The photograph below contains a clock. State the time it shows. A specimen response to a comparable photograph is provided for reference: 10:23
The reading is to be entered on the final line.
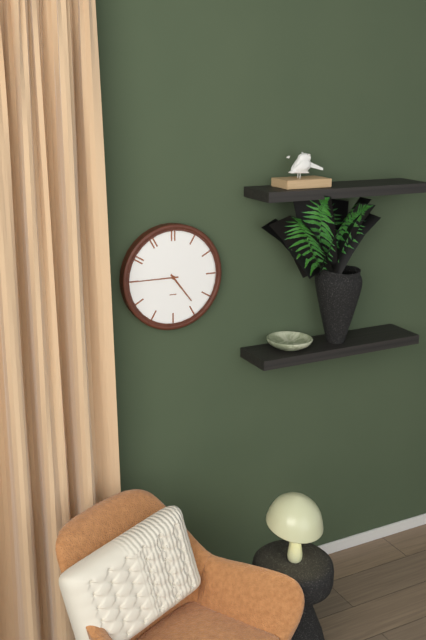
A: 4:45
